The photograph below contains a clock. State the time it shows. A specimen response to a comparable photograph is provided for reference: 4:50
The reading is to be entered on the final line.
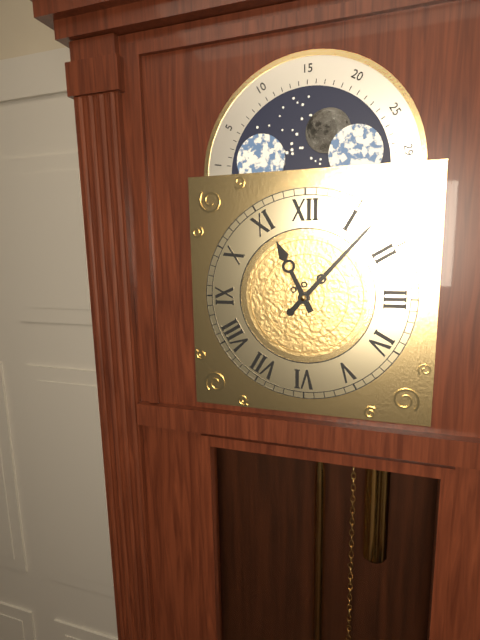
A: 11:07
